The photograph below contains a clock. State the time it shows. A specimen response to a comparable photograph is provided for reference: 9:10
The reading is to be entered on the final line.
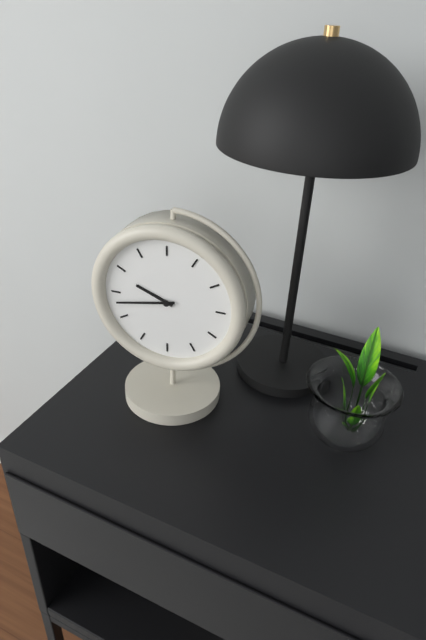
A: 9:43
